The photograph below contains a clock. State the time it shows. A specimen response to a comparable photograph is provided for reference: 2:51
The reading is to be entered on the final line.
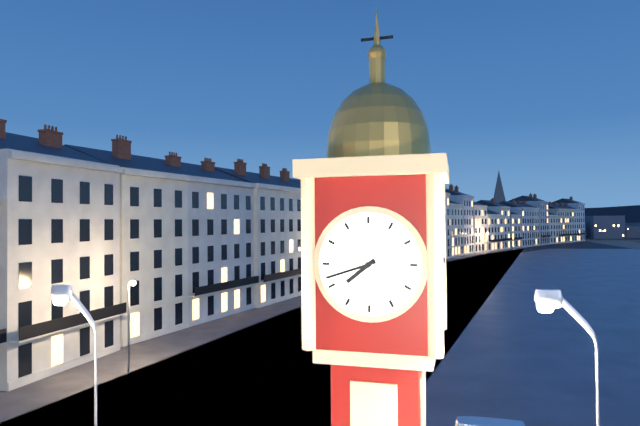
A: 7:42
